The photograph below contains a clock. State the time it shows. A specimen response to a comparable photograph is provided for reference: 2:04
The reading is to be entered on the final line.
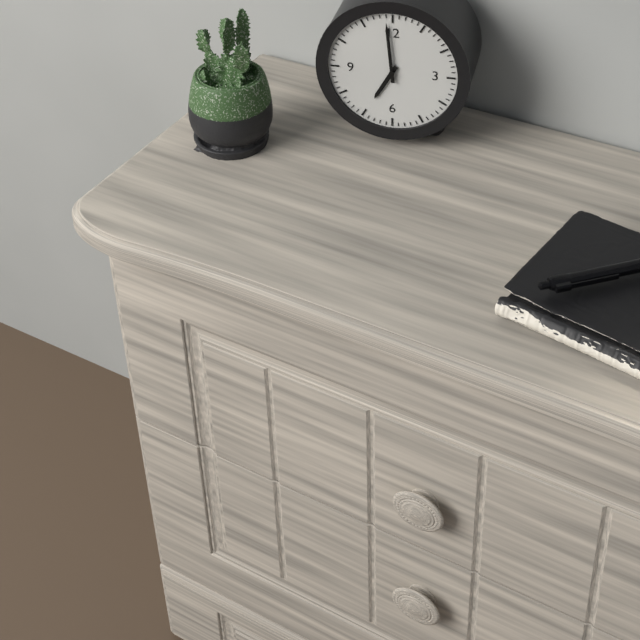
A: 6:59
